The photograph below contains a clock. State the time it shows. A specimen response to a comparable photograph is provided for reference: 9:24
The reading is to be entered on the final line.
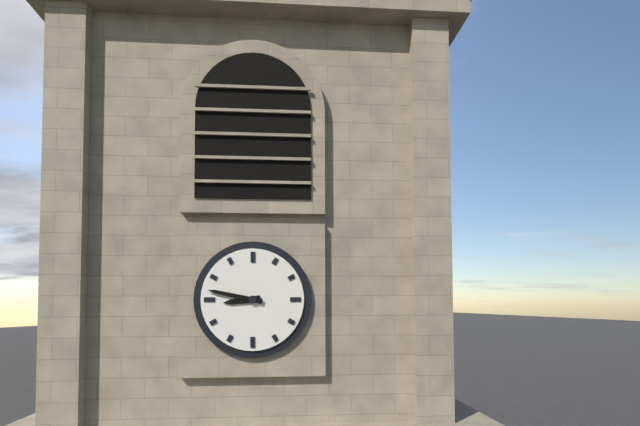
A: 8:47
